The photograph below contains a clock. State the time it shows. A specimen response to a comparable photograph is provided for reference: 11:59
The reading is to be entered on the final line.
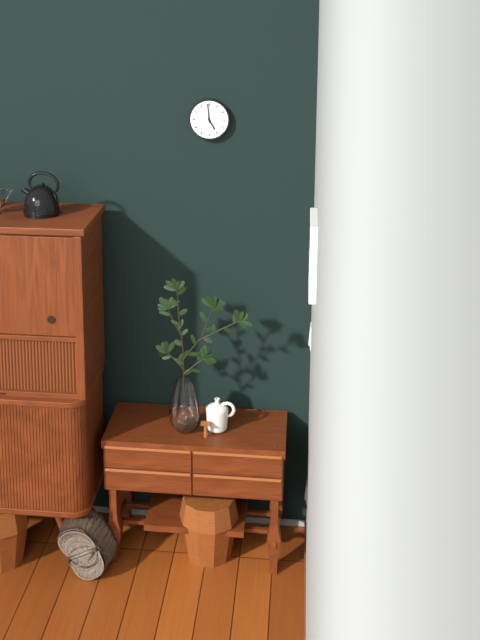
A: 4:59
